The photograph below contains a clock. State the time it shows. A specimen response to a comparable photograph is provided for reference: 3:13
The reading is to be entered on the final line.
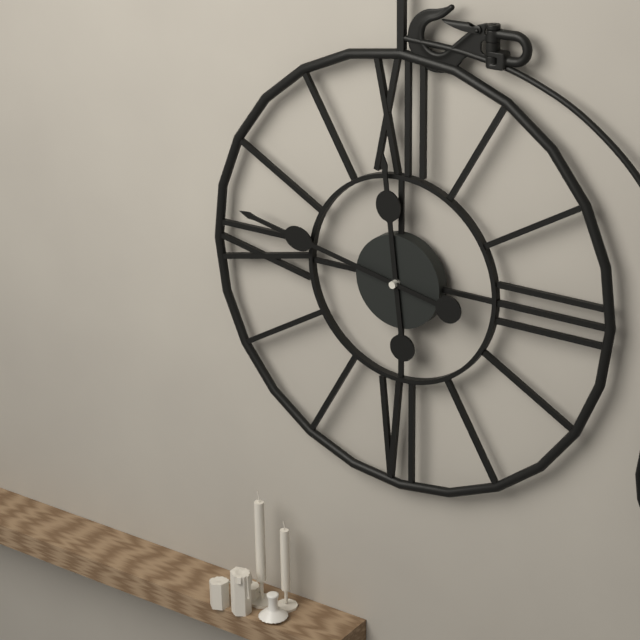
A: 11:47
